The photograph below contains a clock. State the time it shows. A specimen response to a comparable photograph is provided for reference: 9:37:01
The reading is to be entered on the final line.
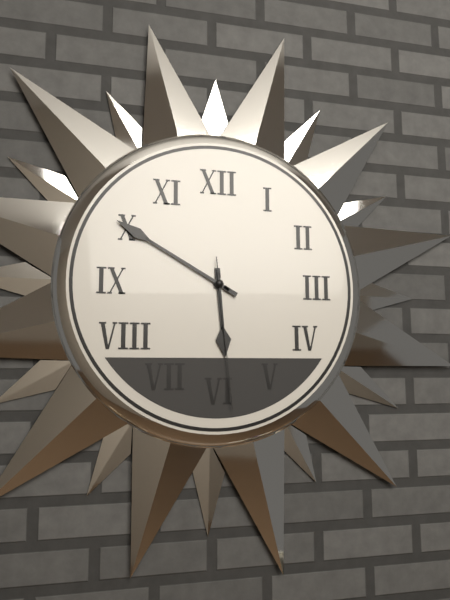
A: 5:50:29
